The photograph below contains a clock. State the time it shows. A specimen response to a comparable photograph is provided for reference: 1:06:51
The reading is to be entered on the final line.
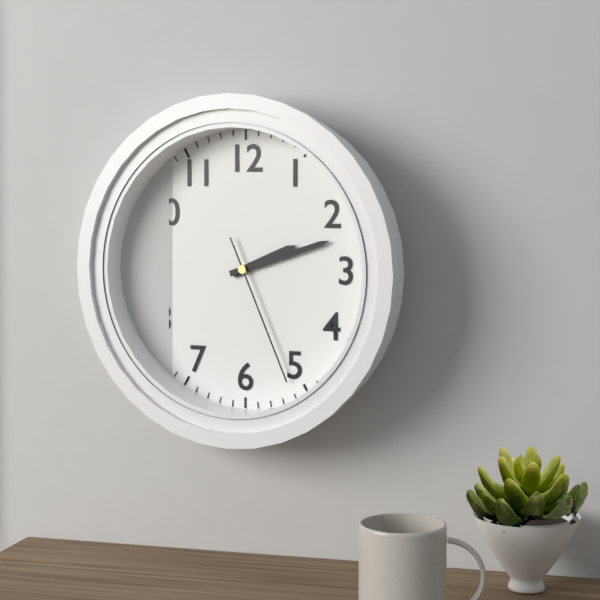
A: 2:12:26
